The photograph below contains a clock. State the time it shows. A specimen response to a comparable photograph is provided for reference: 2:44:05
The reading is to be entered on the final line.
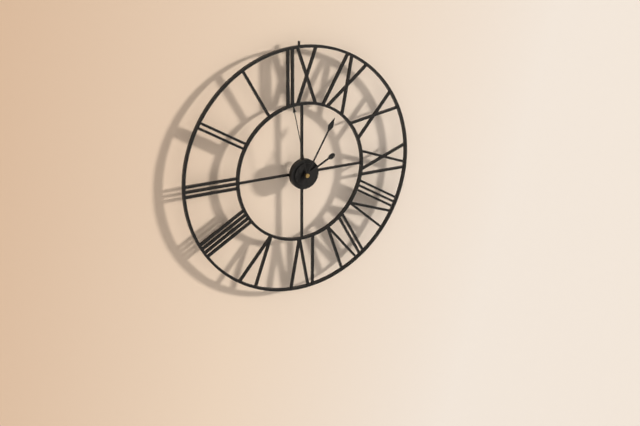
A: 2:05:58
